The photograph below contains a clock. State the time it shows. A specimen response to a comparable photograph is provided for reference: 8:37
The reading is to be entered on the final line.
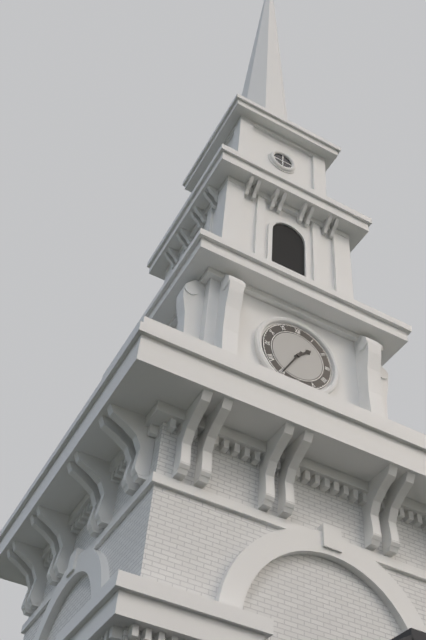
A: 1:35
